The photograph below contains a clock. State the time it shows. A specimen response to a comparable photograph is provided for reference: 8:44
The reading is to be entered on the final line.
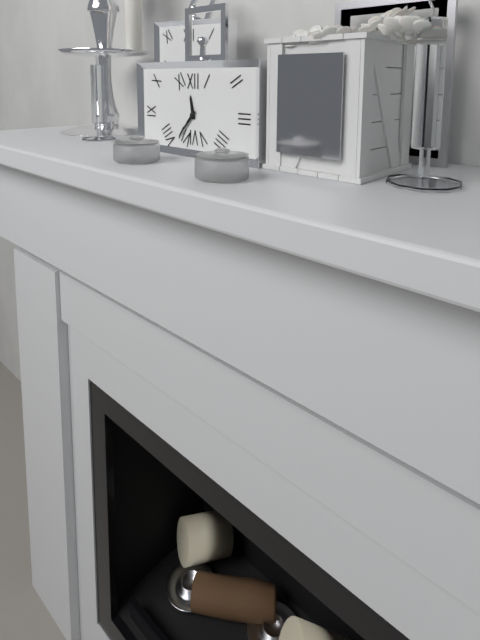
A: 11:37
